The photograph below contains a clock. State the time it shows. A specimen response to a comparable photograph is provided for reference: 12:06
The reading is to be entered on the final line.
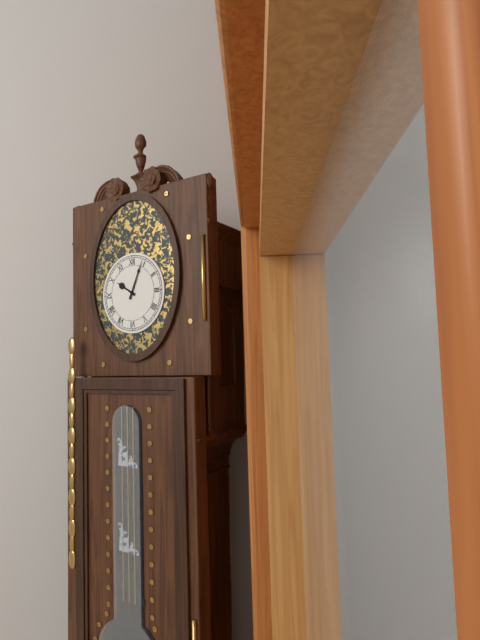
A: 10:04
